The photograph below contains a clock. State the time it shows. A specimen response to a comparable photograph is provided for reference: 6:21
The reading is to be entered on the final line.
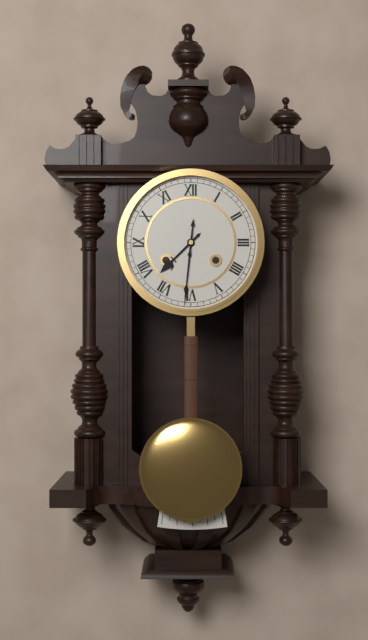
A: 7:31
